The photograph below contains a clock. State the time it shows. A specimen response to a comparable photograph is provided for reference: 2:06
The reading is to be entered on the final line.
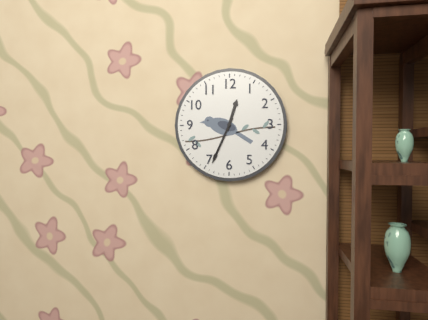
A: 12:34
